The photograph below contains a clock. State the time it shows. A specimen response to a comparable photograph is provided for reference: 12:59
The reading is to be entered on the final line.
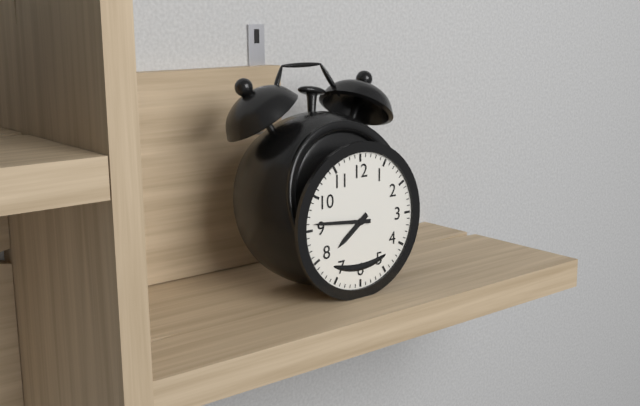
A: 7:46
